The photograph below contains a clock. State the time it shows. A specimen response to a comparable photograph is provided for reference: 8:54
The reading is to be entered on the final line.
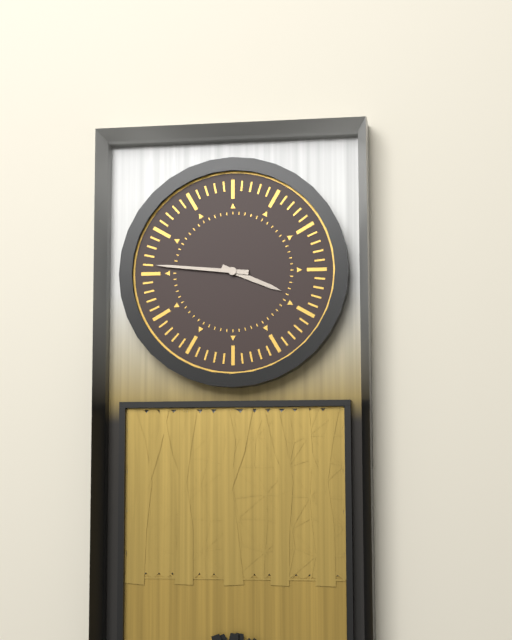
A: 3:46
